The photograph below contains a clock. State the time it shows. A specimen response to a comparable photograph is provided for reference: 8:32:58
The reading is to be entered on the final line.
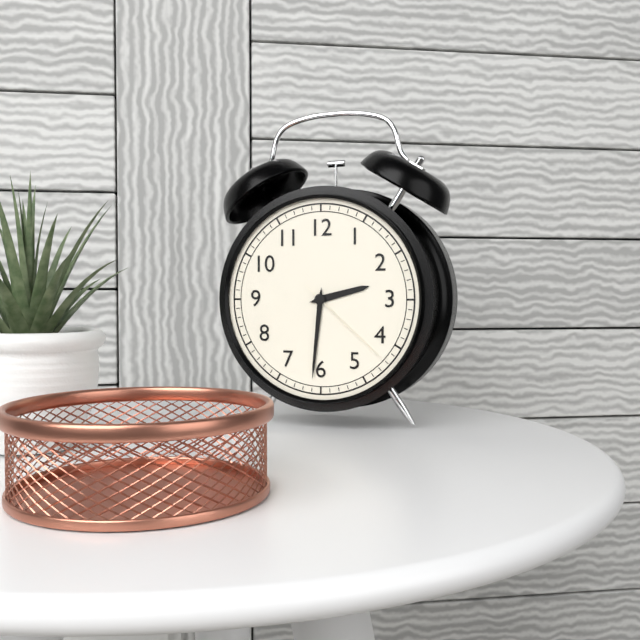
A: 2:31:22
